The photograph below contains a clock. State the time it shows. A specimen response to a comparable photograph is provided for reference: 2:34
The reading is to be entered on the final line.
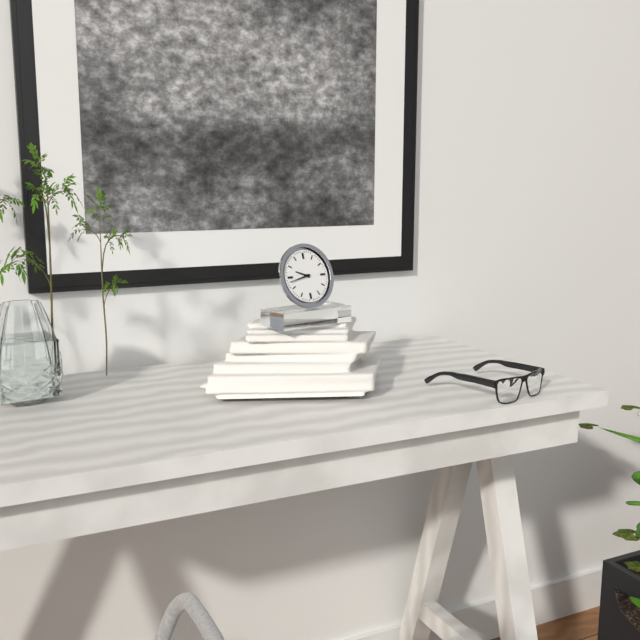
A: 9:43
